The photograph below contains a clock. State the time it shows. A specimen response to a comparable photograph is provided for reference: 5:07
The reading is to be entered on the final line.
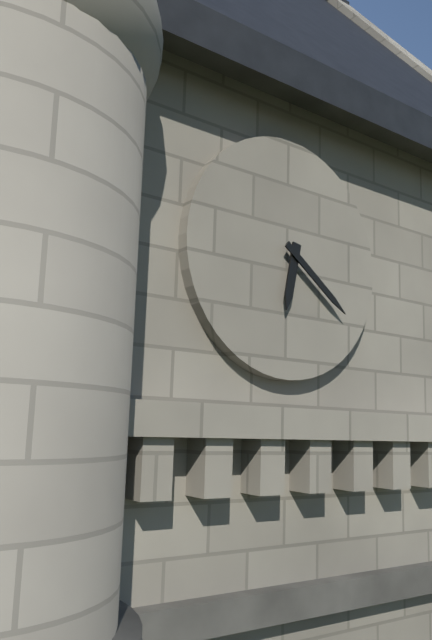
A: 6:21
